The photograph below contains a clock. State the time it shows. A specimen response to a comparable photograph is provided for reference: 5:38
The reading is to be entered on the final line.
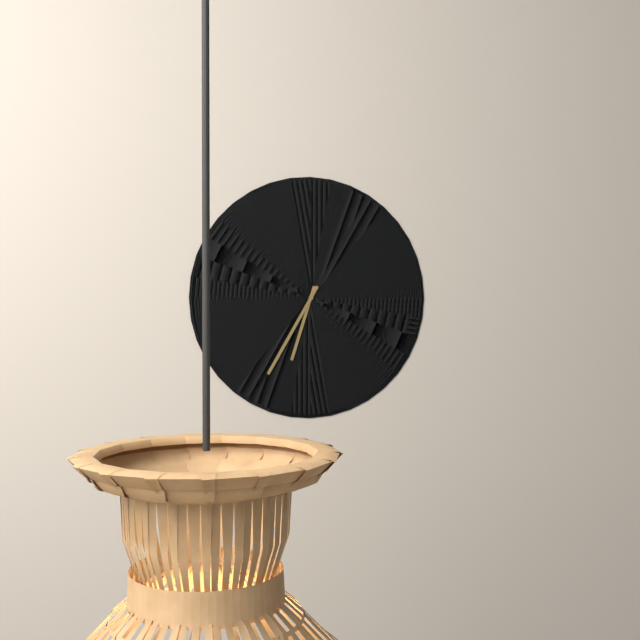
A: 6:35
